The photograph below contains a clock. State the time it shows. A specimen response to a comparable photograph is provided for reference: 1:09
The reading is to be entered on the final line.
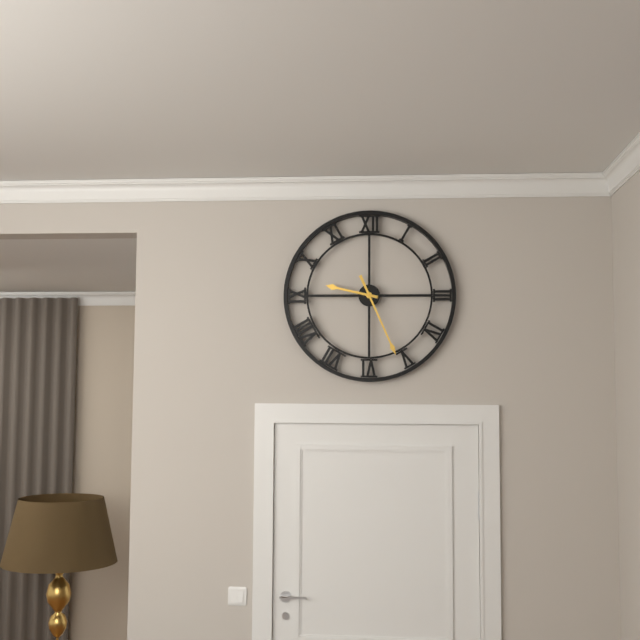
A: 9:26
